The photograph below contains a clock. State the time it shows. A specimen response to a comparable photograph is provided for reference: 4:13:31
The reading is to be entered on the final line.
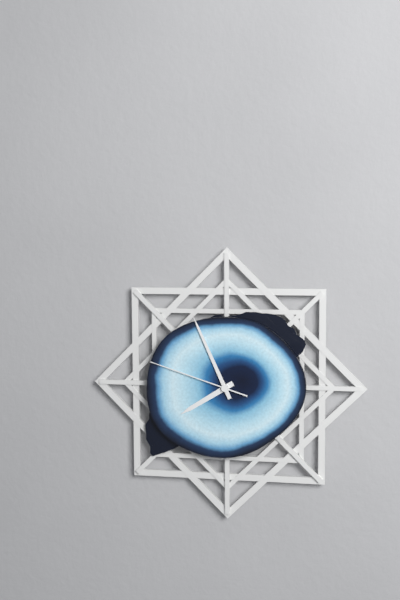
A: 7:56:48
